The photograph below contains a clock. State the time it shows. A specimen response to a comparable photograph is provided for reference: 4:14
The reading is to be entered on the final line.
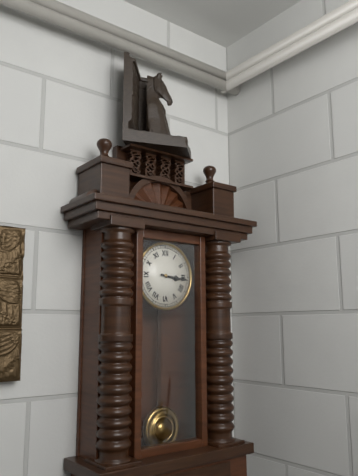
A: 3:16
